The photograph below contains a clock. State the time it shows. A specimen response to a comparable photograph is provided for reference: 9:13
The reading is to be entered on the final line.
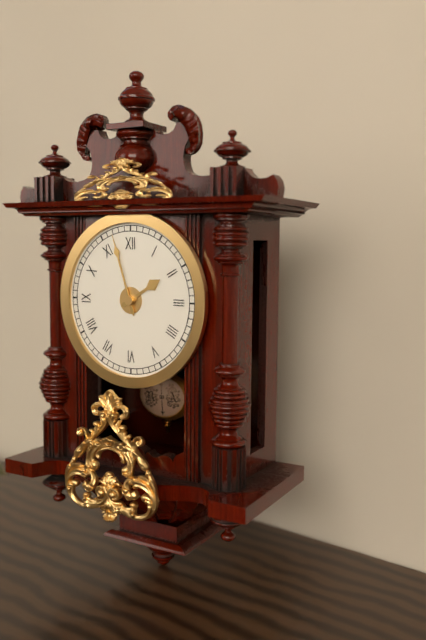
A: 1:57
